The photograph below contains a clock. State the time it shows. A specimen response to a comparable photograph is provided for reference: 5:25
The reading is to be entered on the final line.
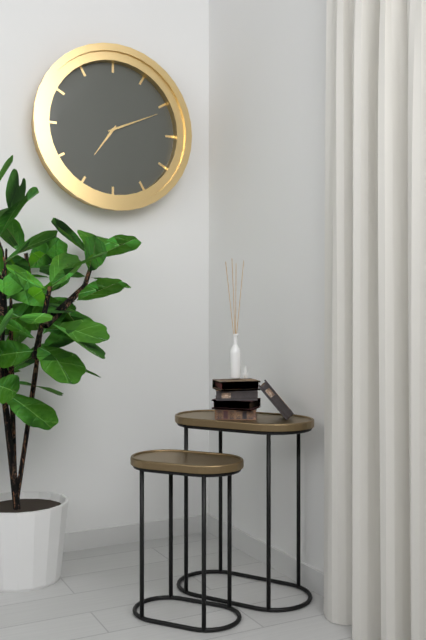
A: 7:11
